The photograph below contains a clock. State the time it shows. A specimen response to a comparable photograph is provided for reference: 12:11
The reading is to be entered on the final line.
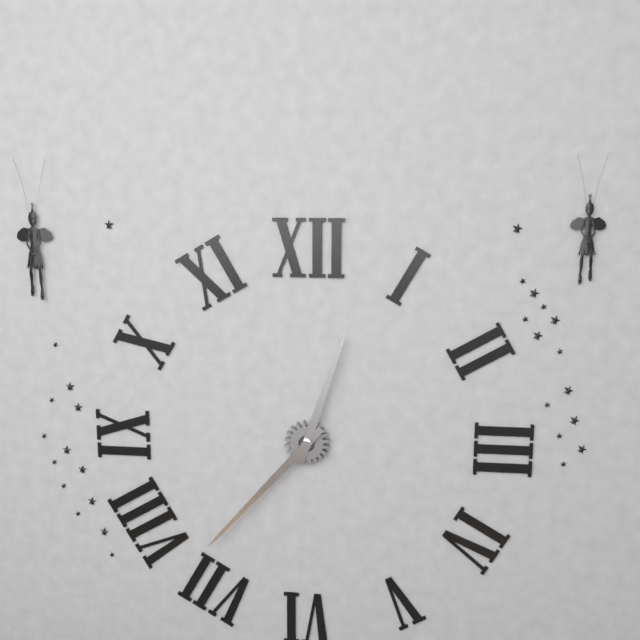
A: 12:37
